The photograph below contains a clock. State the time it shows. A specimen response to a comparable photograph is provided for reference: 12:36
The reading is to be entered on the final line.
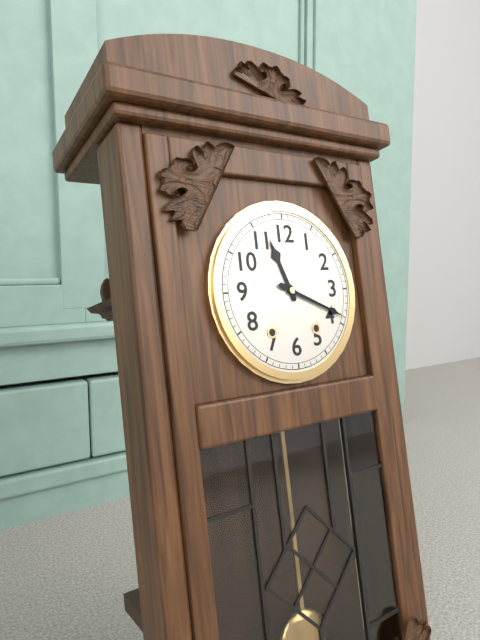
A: 11:19
